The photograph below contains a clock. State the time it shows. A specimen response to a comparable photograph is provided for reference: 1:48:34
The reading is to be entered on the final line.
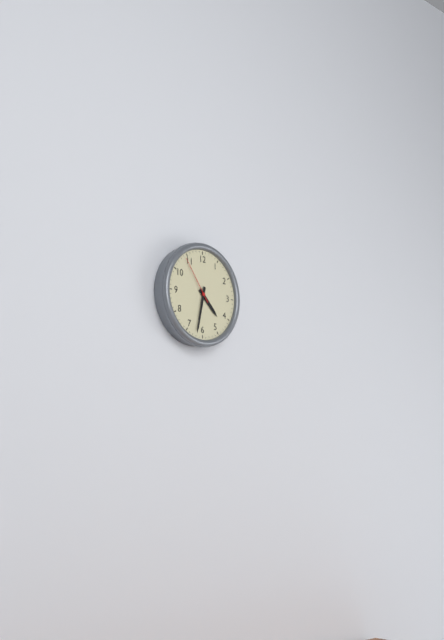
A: 4:32:54
